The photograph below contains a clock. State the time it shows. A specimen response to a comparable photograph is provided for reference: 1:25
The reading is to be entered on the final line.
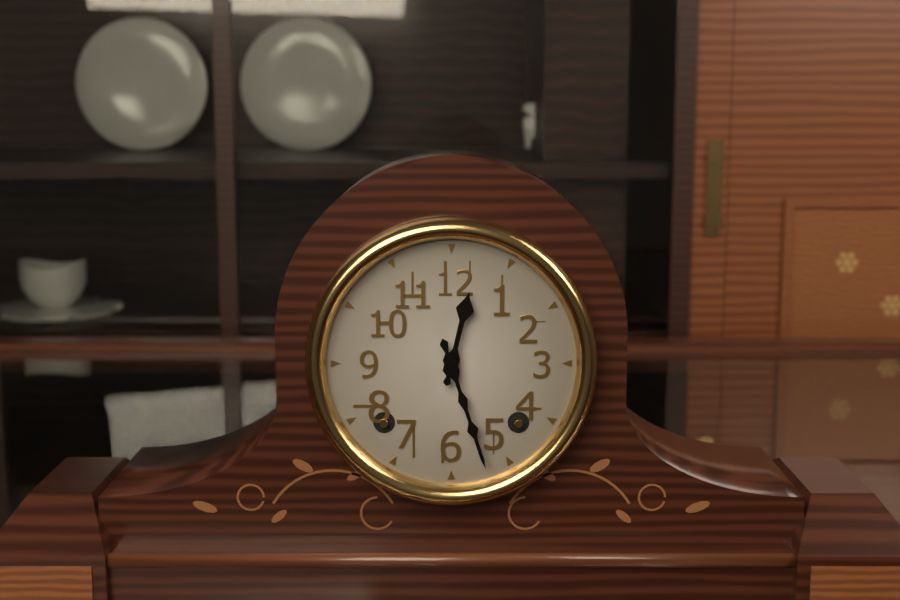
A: 12:27
